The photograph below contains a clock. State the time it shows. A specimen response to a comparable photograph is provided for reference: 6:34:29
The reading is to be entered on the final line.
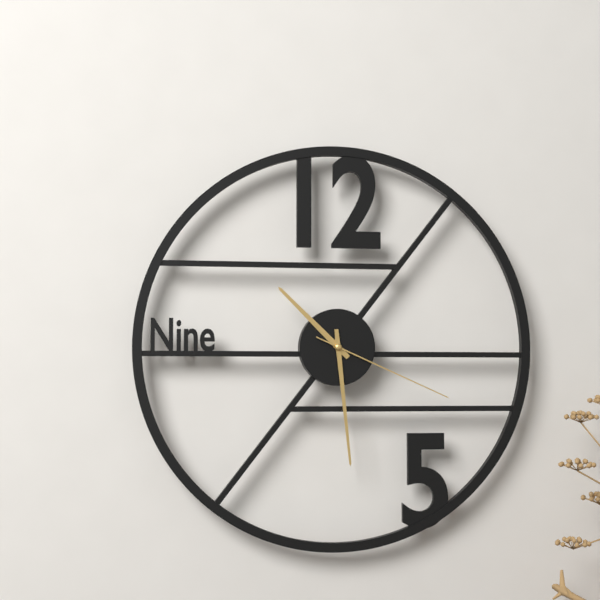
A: 10:29:19
